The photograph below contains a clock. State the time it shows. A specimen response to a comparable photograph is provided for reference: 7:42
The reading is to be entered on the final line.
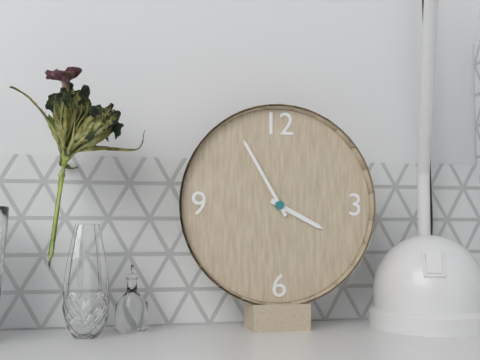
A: 3:55
